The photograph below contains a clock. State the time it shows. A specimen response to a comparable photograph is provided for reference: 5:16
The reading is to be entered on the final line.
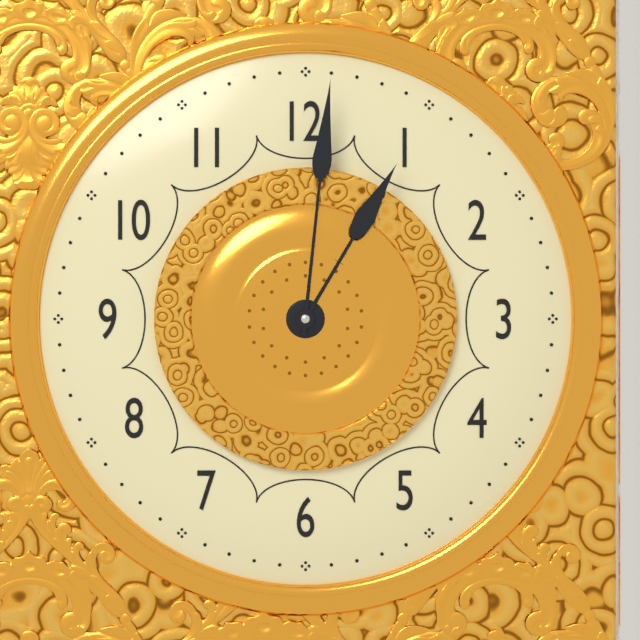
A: 1:01
